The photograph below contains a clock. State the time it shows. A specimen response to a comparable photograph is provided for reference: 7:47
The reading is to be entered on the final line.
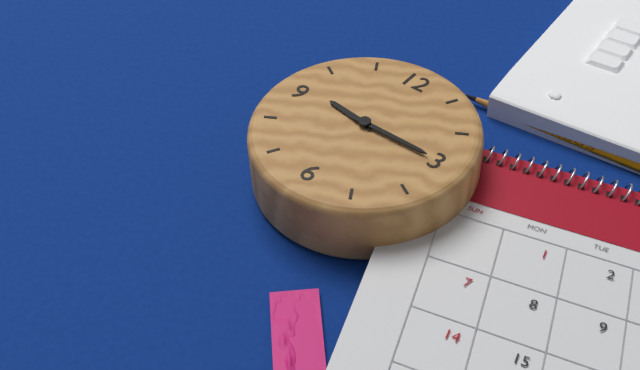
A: 9:15
